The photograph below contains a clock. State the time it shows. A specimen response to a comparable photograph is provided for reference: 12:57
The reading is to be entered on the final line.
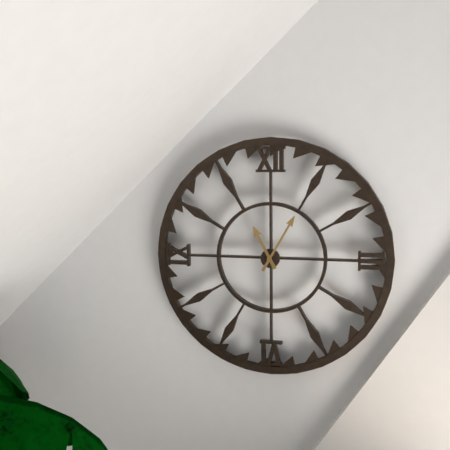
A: 11:05
